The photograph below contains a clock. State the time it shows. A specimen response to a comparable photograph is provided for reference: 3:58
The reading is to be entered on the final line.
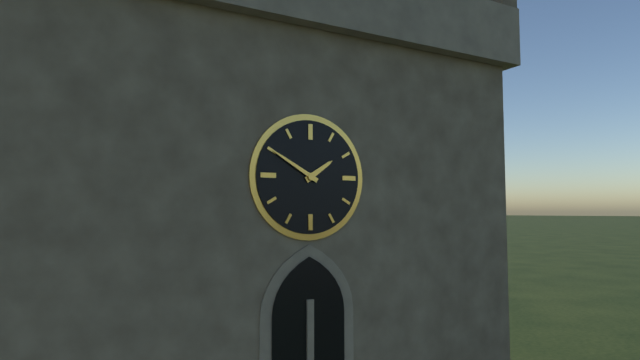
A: 1:50
